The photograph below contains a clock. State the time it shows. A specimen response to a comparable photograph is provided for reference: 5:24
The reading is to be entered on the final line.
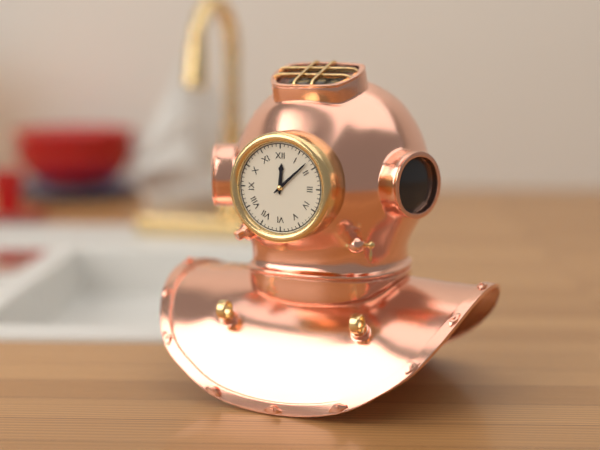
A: 12:08
